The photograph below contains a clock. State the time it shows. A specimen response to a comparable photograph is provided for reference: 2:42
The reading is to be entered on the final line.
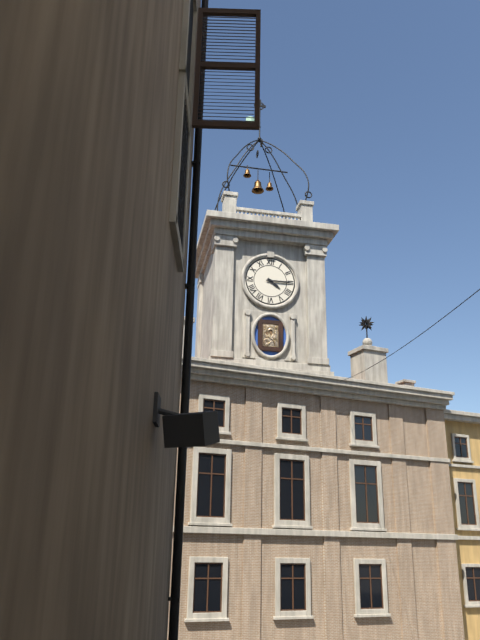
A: 4:15
